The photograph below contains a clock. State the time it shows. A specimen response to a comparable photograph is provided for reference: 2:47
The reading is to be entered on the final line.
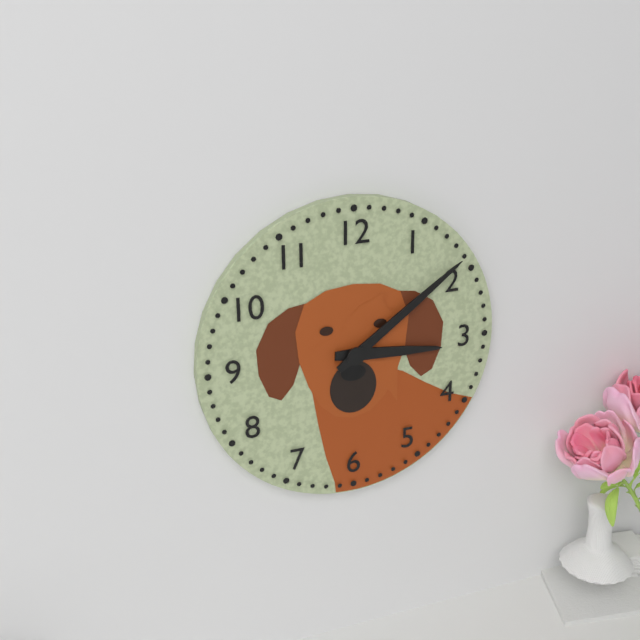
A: 3:09
